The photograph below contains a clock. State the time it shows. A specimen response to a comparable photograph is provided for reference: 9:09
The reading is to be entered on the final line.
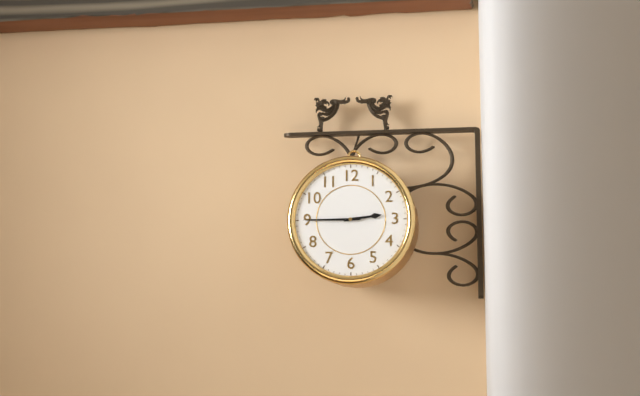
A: 2:45
